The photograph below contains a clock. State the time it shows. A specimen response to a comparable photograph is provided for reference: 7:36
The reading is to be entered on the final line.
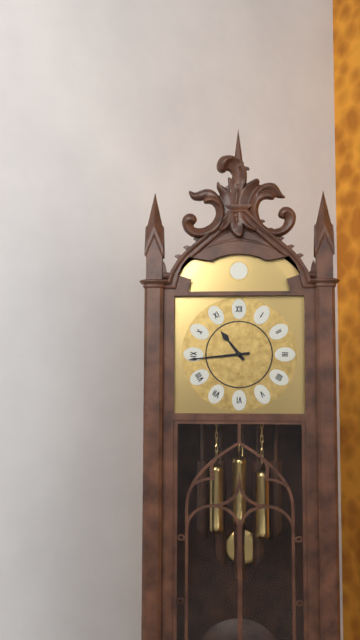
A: 10:44
